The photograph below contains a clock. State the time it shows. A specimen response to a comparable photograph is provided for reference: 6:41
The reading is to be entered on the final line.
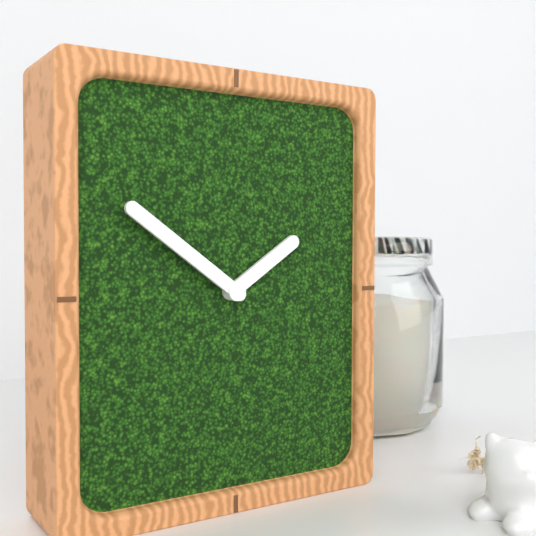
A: 1:51
